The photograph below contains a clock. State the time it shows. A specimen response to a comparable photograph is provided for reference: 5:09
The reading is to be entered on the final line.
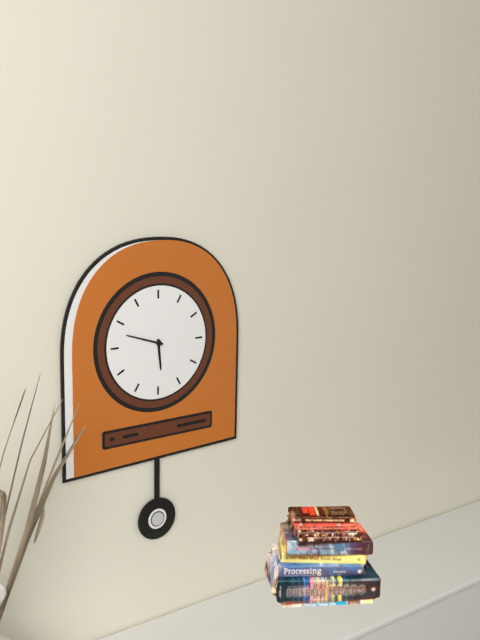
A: 5:48
